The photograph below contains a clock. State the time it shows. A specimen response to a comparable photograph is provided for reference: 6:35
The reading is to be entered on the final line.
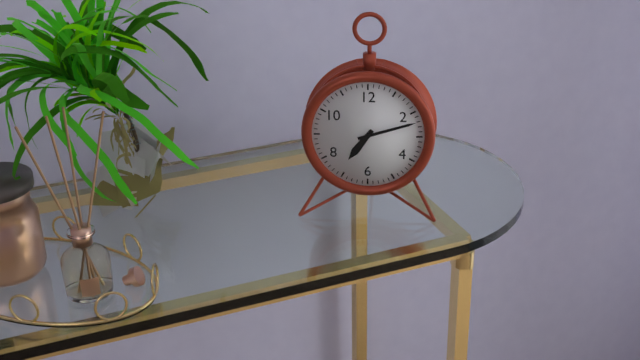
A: 7:12
